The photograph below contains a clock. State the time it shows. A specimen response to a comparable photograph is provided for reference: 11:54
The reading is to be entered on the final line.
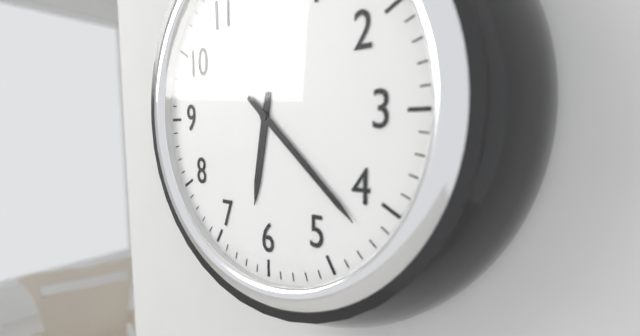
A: 6:22
